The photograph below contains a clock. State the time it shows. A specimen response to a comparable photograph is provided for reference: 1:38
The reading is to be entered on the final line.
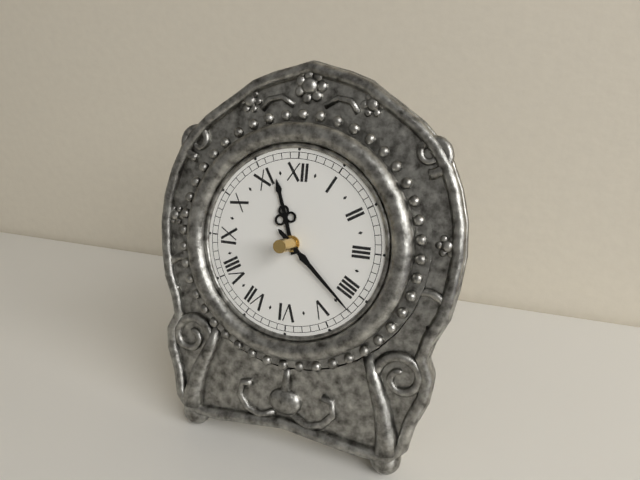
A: 11:22
